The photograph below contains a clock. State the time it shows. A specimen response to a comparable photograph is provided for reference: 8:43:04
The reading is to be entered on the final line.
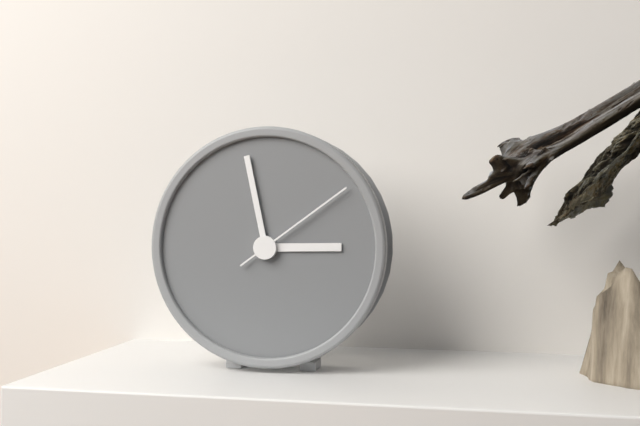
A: 2:58:09
